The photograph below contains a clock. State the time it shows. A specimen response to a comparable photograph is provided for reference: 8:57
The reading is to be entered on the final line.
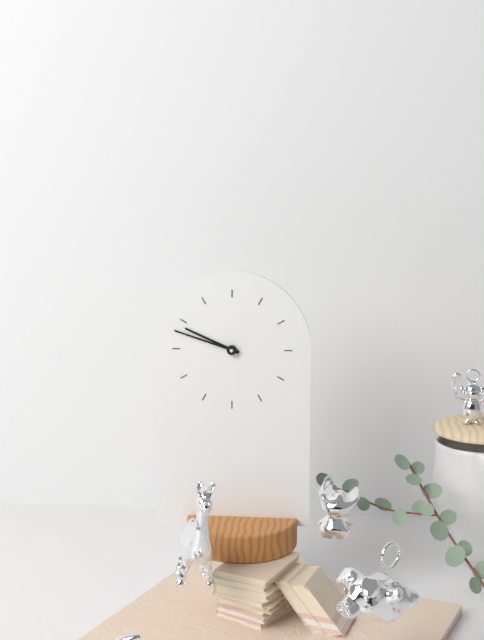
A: 9:48
